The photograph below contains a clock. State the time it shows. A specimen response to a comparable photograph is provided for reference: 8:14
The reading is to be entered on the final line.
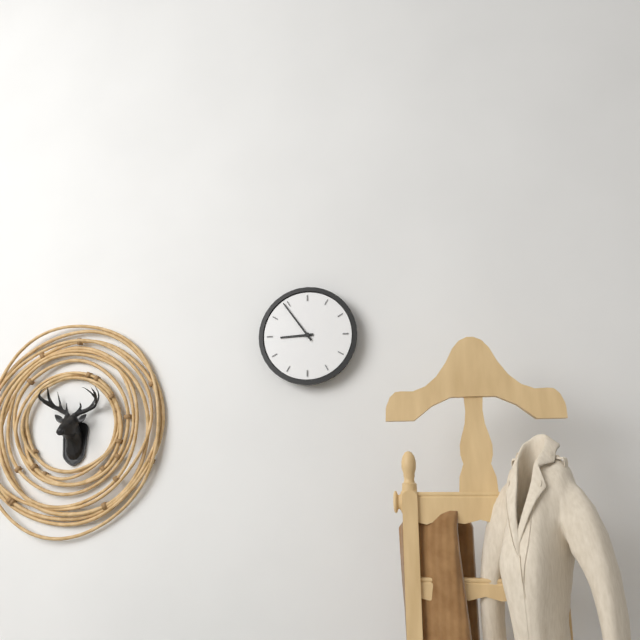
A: 8:54
